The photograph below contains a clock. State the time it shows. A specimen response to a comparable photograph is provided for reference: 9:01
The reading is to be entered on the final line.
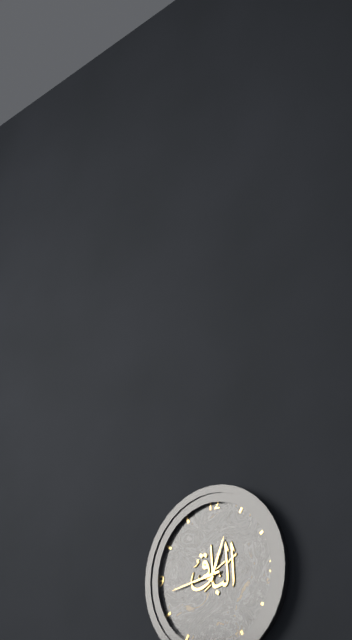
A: 12:43
